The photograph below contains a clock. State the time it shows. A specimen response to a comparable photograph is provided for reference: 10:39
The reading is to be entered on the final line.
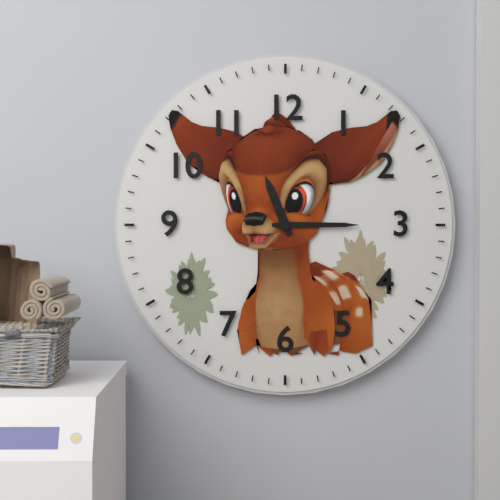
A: 11:15
